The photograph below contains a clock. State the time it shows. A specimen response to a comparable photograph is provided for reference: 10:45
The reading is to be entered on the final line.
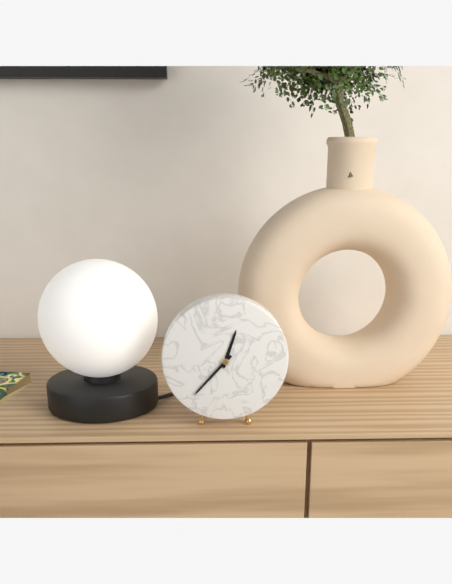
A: 12:37
